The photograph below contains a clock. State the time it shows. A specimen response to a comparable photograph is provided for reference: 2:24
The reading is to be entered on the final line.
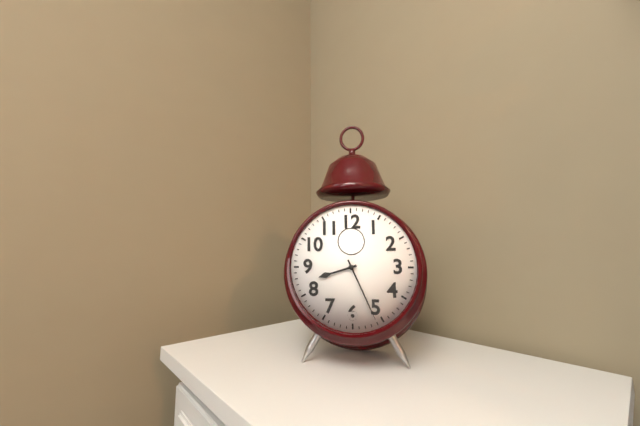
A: 8:26
